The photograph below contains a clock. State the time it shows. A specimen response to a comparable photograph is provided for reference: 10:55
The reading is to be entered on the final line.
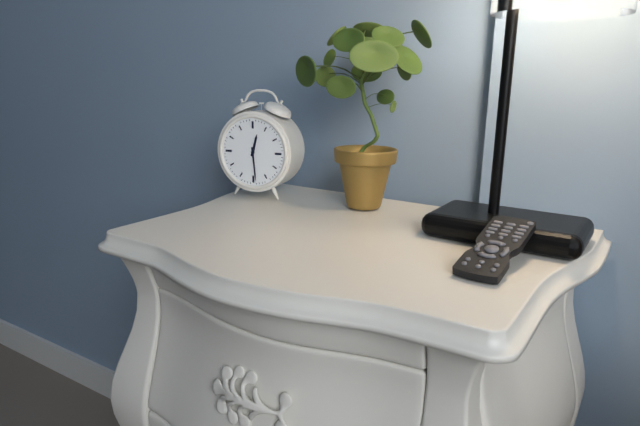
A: 12:29
